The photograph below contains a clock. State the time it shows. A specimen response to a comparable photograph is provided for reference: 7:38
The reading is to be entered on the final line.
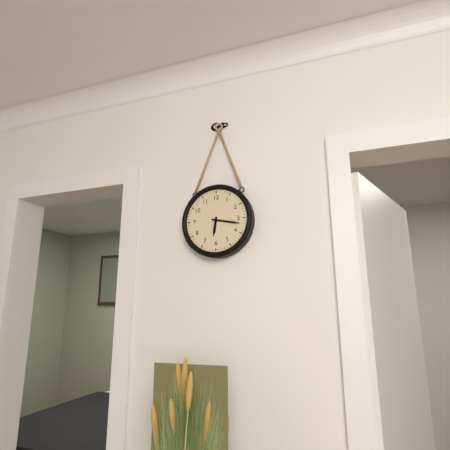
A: 6:17
